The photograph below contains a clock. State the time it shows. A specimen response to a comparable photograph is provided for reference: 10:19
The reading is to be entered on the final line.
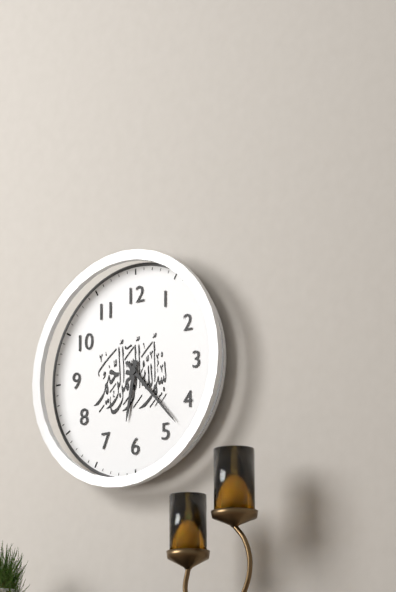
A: 6:23
